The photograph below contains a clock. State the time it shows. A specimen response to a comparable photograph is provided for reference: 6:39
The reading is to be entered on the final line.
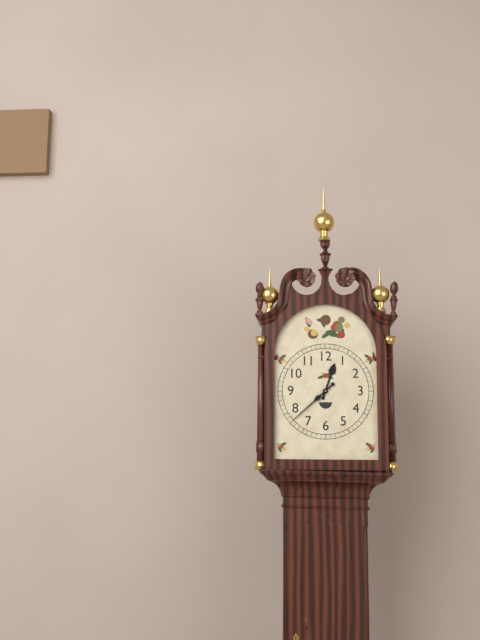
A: 12:38
